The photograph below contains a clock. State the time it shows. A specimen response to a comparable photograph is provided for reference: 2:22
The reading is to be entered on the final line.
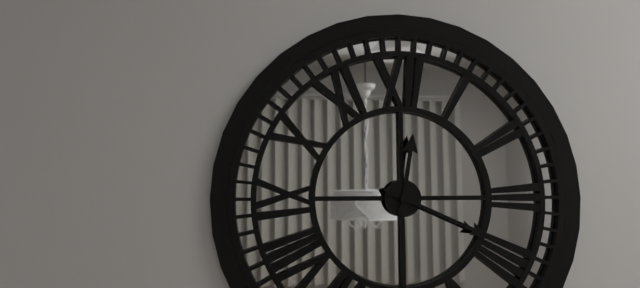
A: 12:19
